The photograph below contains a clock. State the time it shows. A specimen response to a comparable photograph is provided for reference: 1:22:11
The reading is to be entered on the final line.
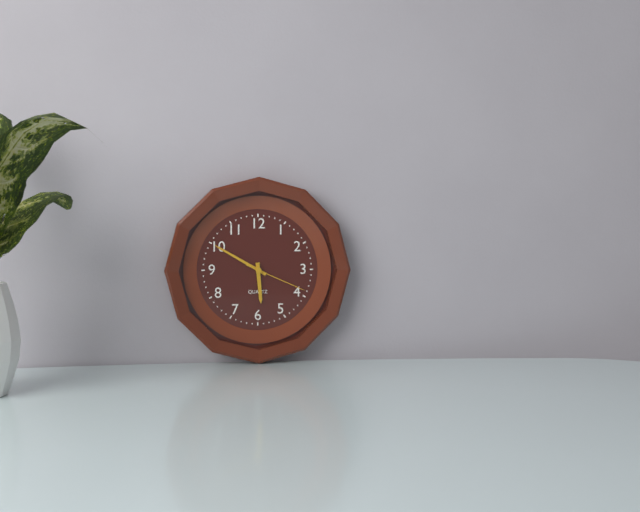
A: 5:50:19
